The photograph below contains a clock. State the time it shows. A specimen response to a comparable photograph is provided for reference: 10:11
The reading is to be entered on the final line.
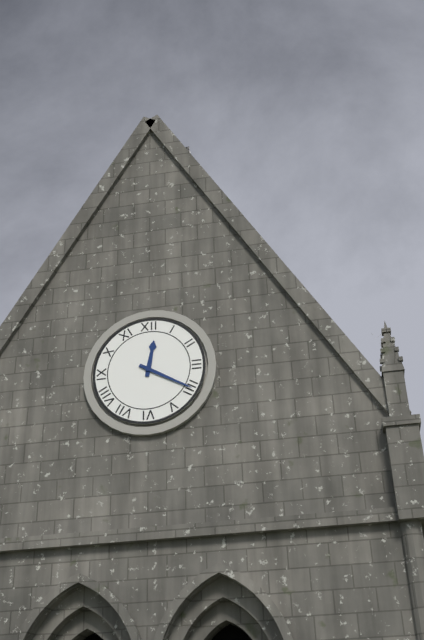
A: 12:20
